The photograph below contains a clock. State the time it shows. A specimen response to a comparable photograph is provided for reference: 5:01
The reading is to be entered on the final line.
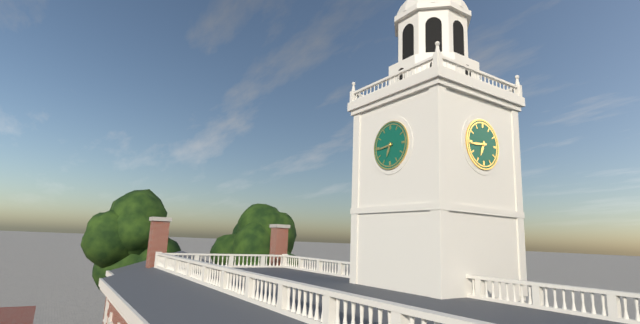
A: 6:44
